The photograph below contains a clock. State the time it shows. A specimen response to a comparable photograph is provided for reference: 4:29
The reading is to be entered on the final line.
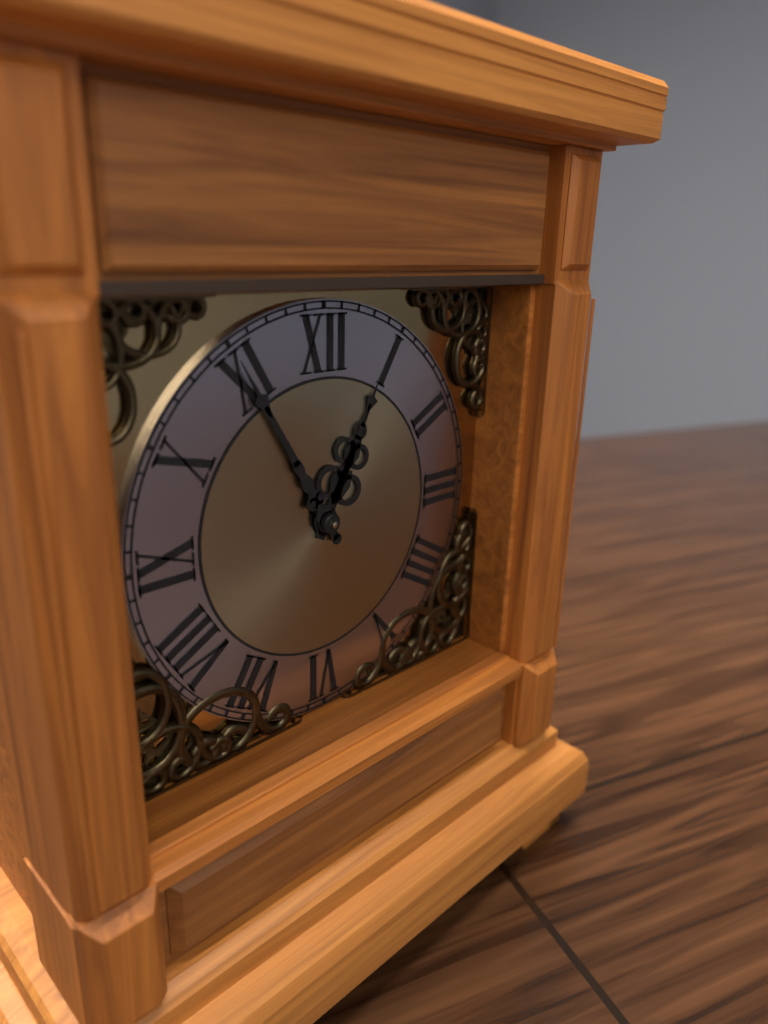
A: 12:55
